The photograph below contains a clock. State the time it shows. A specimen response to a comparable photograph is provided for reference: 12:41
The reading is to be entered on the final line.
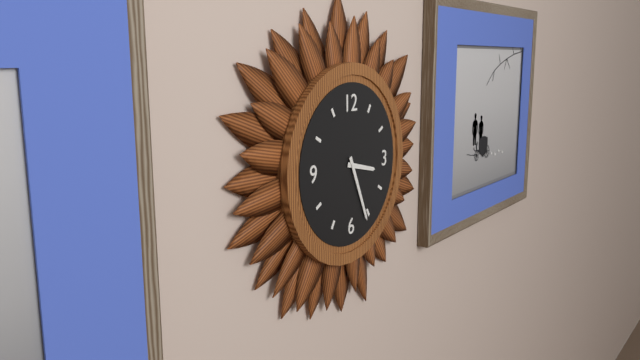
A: 3:26
